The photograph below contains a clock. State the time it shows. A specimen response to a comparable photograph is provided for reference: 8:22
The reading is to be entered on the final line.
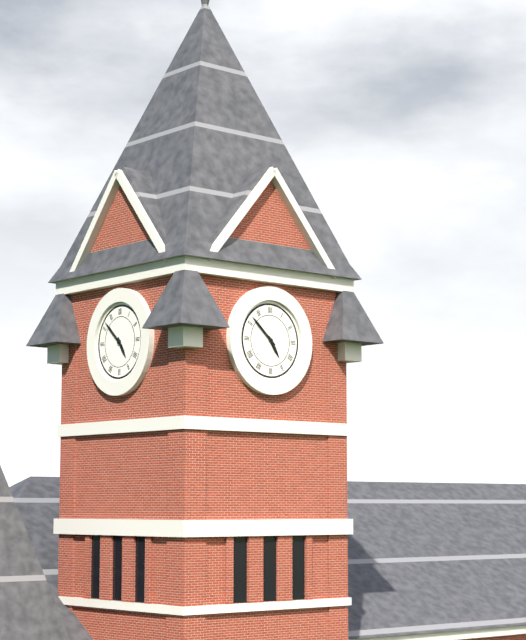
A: 4:52
